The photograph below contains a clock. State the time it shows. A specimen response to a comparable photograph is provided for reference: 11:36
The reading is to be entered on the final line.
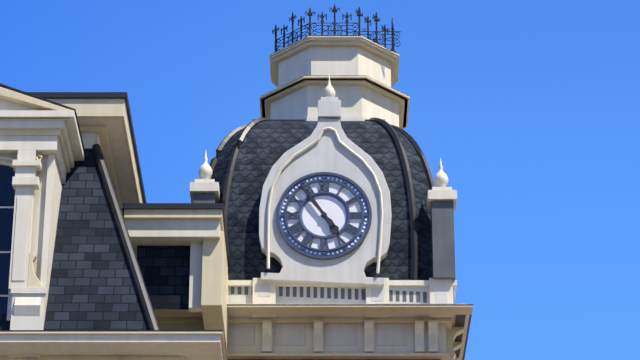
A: 4:54
